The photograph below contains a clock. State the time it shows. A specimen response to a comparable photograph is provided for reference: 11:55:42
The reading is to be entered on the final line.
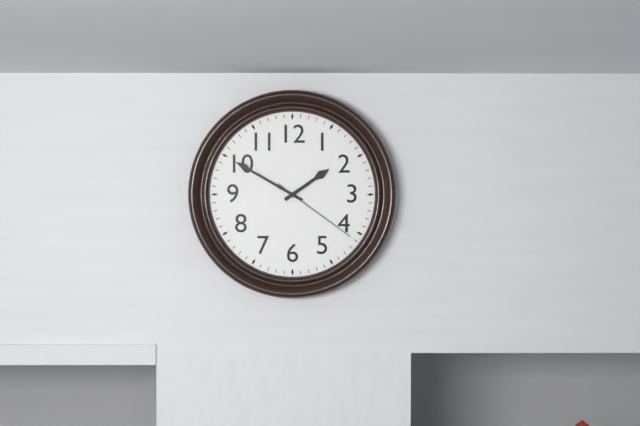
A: 1:50:21
